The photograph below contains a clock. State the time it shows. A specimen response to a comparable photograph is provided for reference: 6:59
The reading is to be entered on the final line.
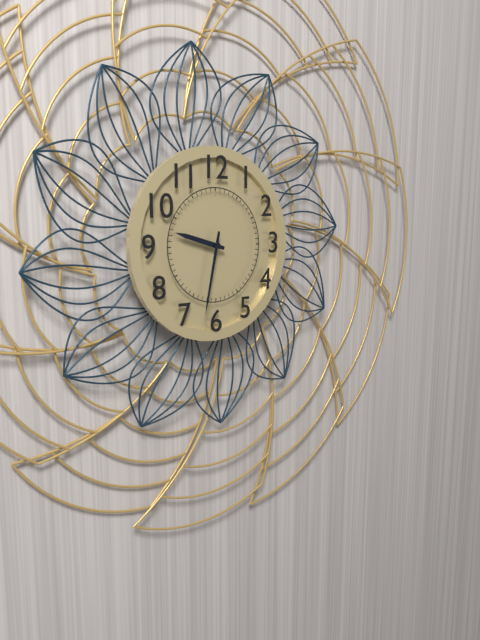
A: 9:32
